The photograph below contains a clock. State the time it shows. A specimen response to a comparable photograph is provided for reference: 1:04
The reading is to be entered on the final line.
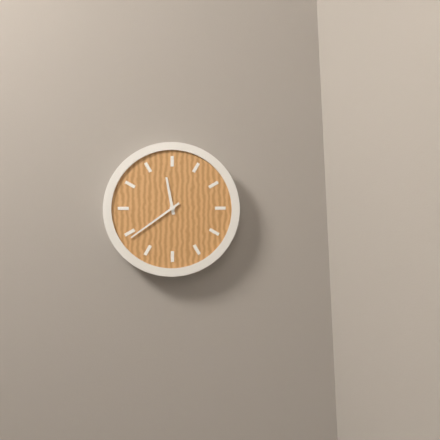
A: 11:39
